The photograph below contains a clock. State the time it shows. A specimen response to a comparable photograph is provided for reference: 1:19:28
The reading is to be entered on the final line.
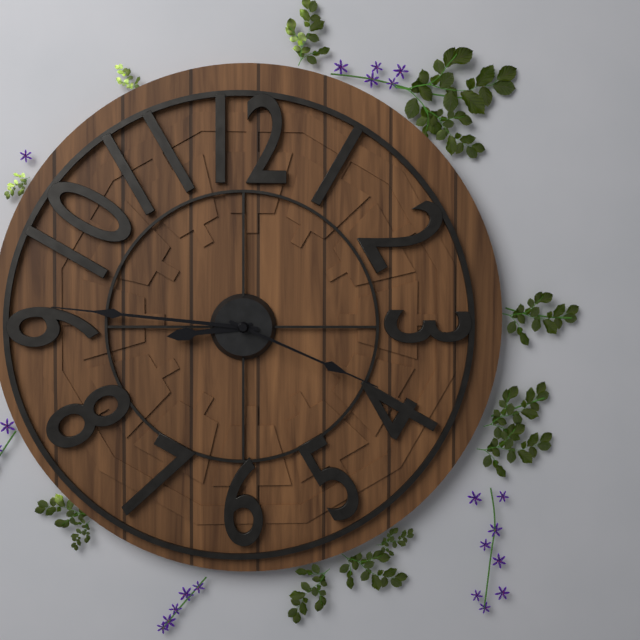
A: 8:46:19
